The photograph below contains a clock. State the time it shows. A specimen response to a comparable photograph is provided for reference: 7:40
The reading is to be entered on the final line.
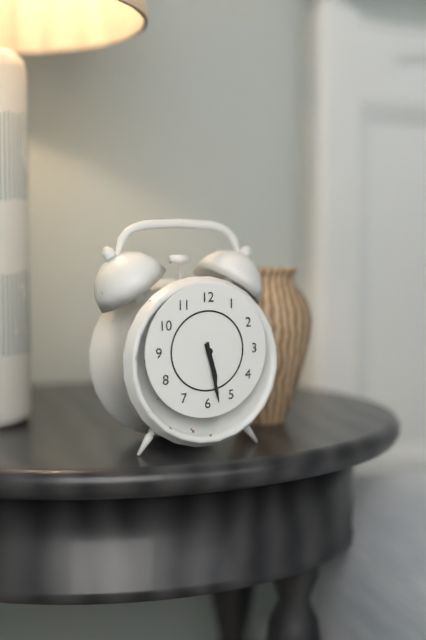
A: 5:28
